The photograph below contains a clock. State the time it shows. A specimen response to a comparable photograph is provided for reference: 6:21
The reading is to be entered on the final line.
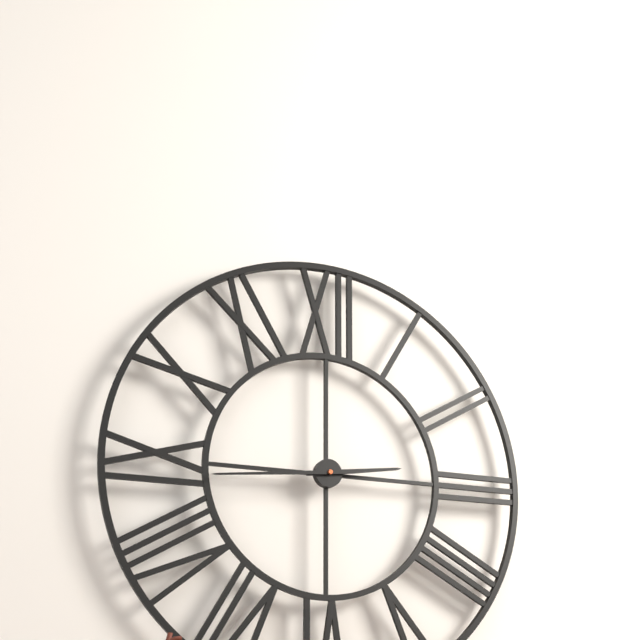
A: 2:44
